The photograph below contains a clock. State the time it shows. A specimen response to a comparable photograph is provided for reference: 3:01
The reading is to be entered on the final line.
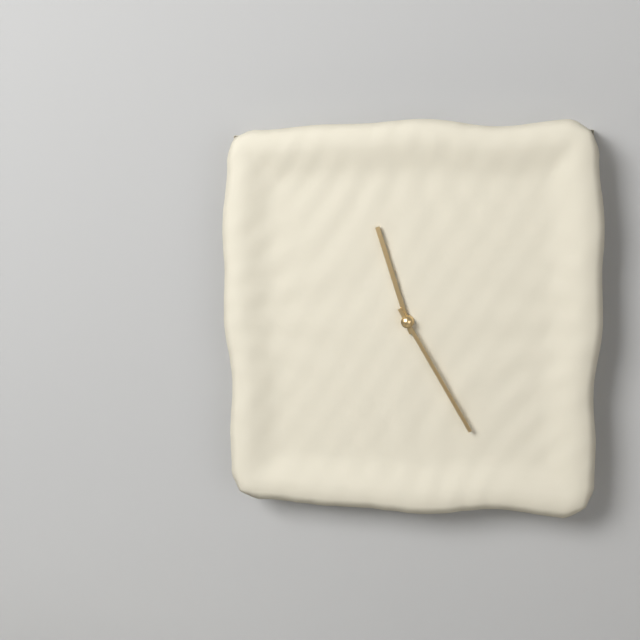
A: 11:25
